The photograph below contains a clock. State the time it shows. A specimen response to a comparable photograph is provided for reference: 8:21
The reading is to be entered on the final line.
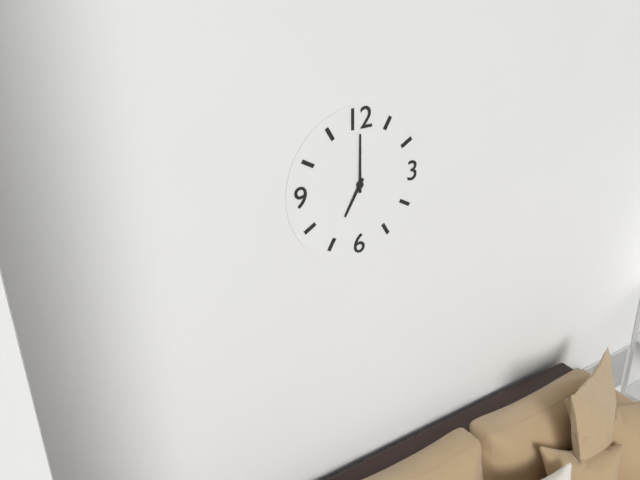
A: 7:00
